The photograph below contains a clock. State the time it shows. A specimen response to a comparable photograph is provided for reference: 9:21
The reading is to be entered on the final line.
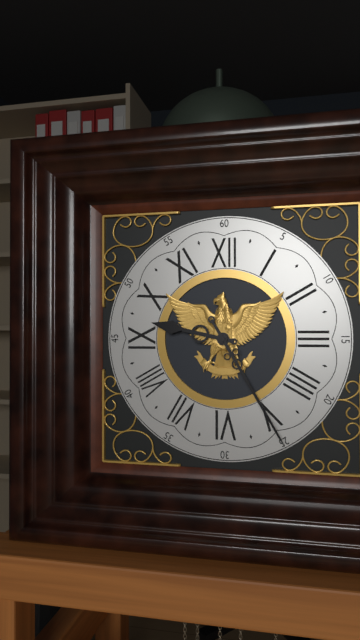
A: 9:25
